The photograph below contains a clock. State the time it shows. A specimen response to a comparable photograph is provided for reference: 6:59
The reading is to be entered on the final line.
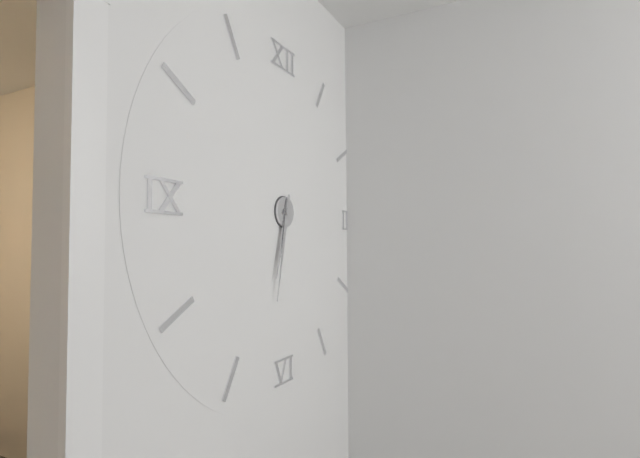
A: 6:32
